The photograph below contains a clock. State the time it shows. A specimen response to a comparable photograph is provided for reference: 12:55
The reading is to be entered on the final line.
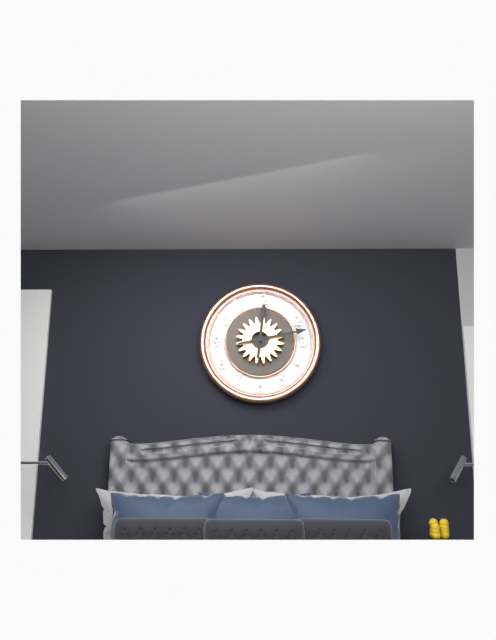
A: 12:13
